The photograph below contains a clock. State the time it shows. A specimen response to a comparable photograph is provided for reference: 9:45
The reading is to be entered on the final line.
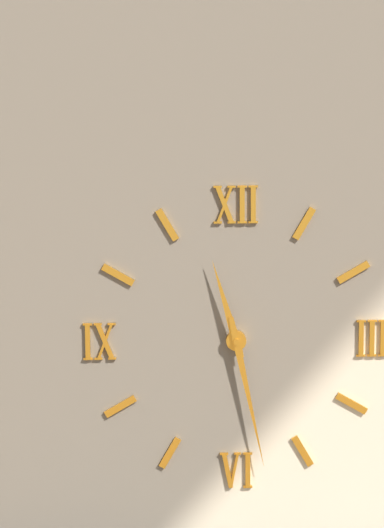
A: 11:28
